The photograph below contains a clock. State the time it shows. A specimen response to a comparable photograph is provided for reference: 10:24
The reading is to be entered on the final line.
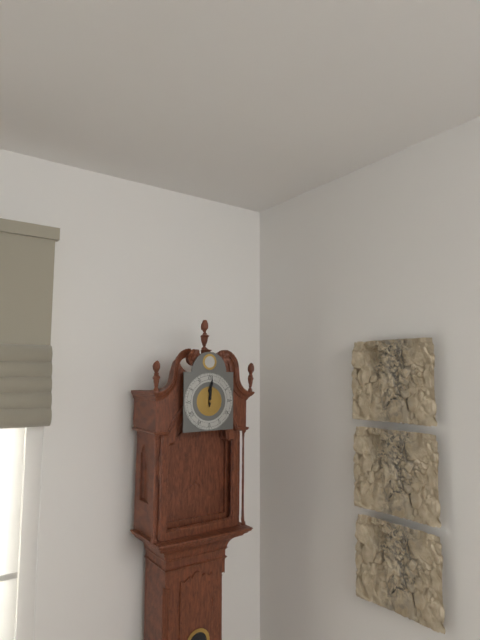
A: 12:01
